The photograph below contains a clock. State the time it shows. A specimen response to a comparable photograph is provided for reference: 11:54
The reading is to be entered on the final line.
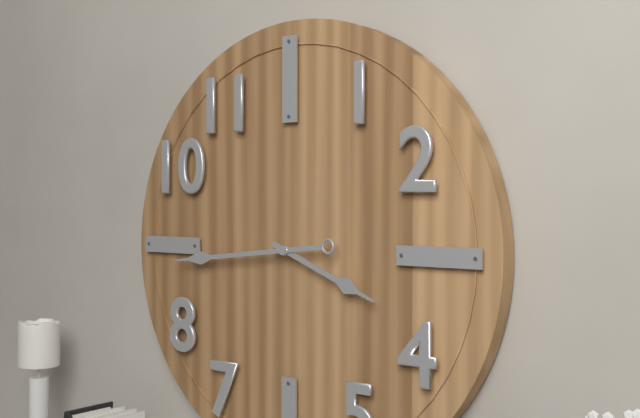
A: 3:44
